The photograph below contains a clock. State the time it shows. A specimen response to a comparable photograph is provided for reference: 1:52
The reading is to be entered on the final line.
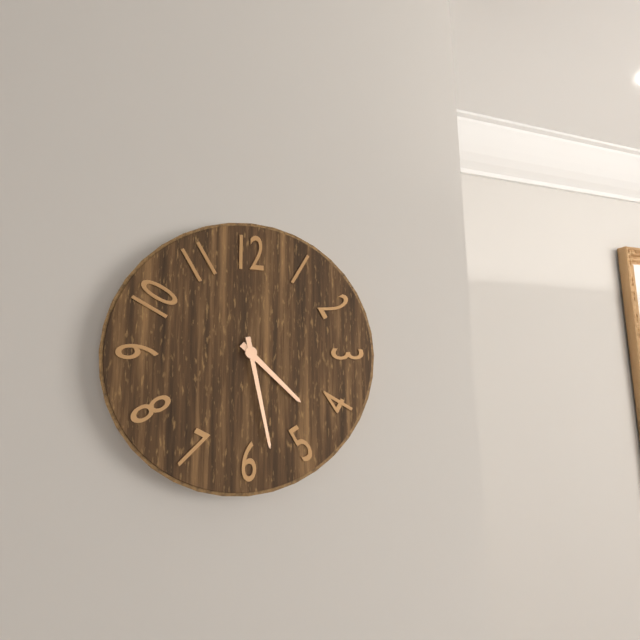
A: 4:28
